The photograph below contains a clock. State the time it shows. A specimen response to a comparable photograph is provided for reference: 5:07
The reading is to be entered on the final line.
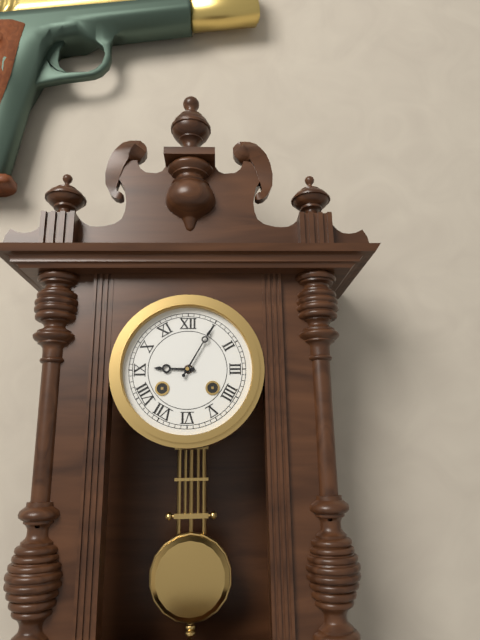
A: 9:05
